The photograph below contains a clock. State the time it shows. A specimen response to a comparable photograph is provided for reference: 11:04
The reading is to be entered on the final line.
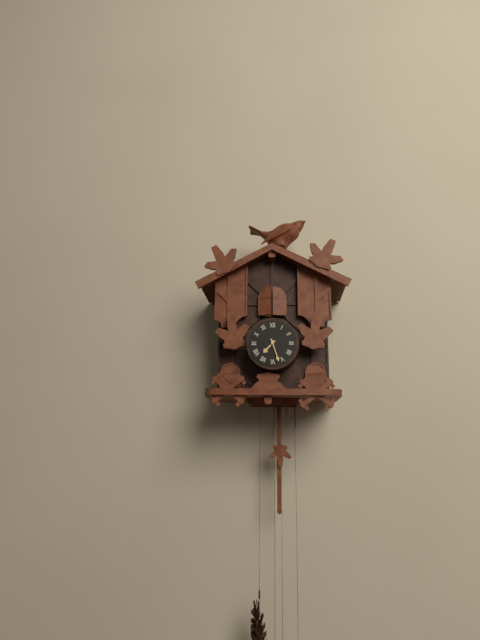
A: 7:27
